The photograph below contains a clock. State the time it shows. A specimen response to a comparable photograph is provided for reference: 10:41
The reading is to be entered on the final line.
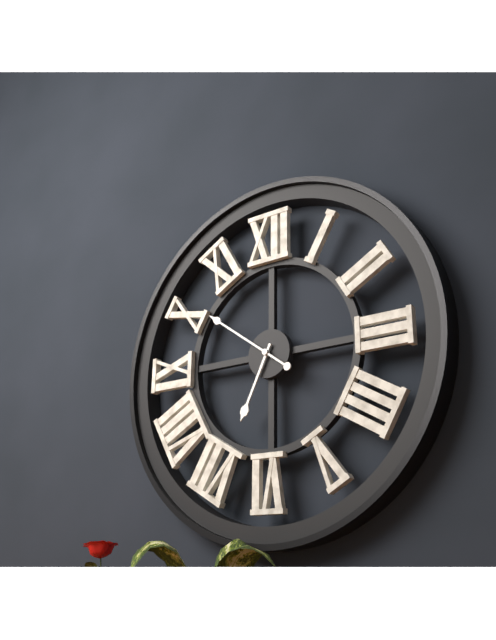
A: 6:51
